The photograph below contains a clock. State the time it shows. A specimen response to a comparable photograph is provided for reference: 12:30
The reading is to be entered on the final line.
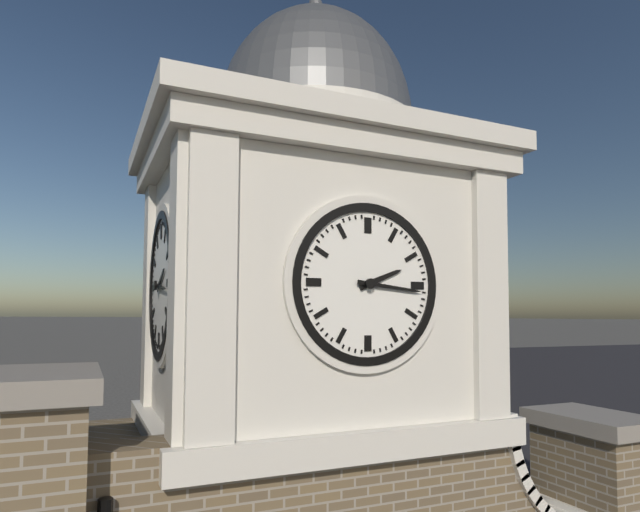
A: 2:16
